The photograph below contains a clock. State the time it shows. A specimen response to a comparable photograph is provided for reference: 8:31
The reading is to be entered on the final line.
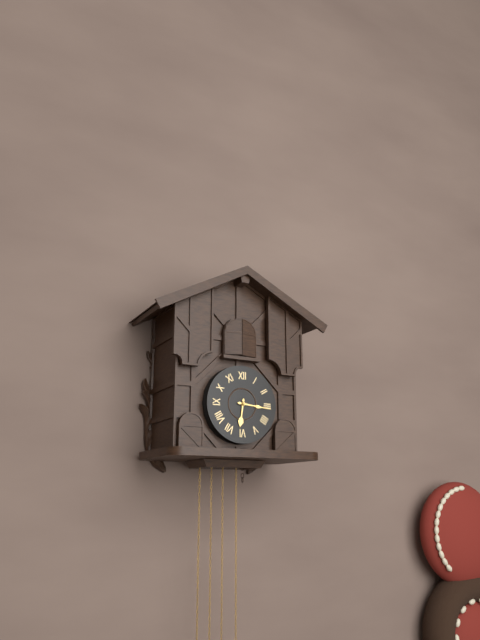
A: 6:16
